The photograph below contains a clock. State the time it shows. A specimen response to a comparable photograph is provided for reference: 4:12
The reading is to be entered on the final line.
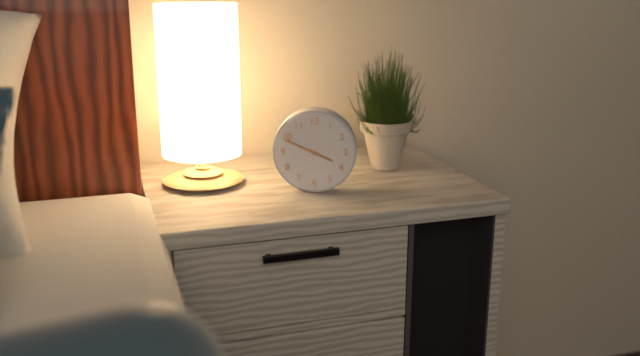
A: 3:49
